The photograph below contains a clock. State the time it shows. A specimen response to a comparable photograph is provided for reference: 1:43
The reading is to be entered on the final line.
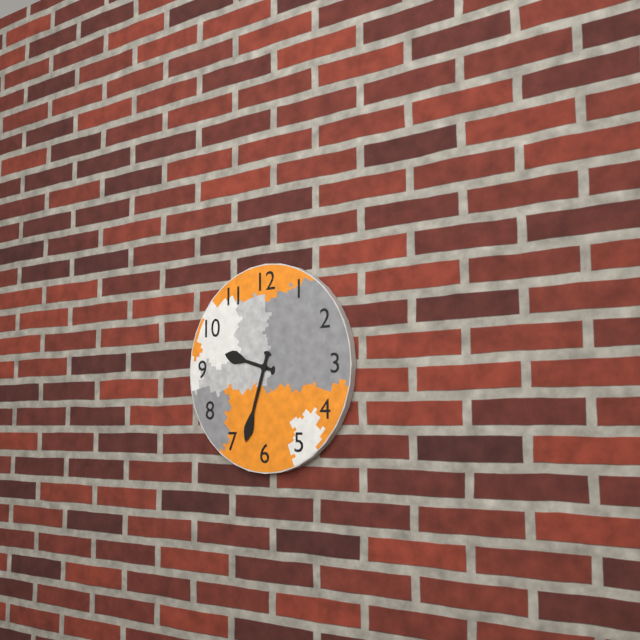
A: 9:33
